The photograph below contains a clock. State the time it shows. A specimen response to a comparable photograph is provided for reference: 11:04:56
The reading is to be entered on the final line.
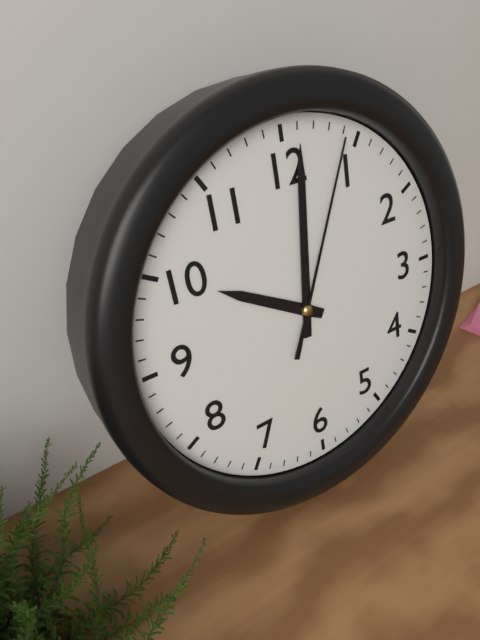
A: 10:01:04
